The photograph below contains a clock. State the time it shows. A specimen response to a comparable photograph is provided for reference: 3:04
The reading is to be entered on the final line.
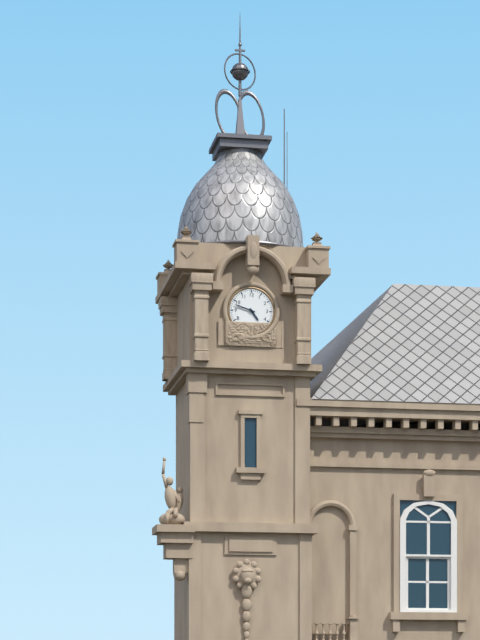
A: 4:48
